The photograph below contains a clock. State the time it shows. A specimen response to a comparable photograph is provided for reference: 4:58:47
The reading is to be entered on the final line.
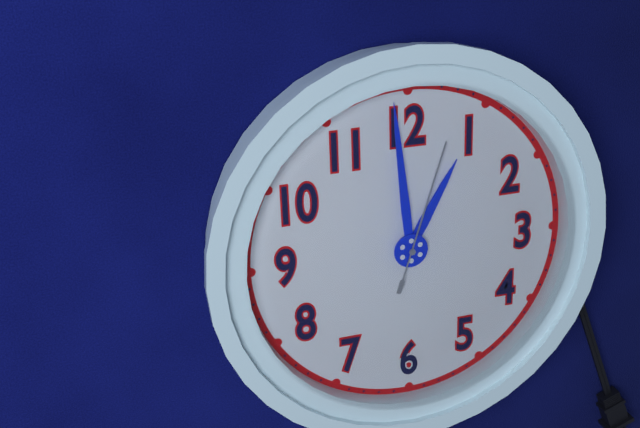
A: 12:59:03
